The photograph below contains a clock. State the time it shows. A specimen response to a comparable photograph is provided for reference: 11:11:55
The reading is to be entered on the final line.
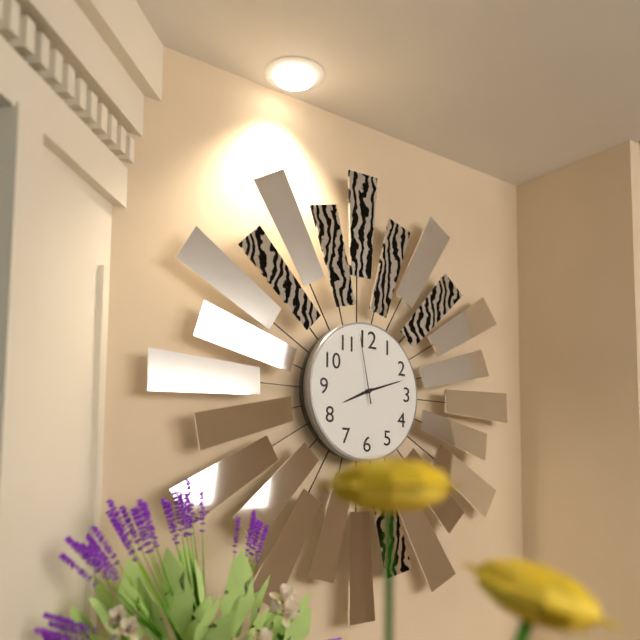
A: 8:12:58
